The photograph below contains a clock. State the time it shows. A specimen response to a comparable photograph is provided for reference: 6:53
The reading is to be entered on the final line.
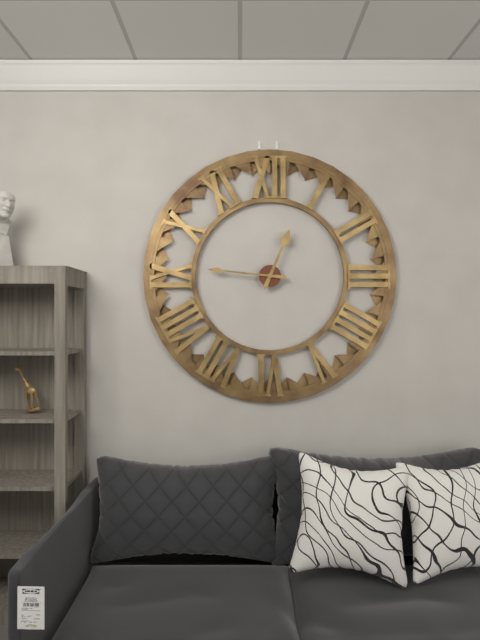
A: 12:46
